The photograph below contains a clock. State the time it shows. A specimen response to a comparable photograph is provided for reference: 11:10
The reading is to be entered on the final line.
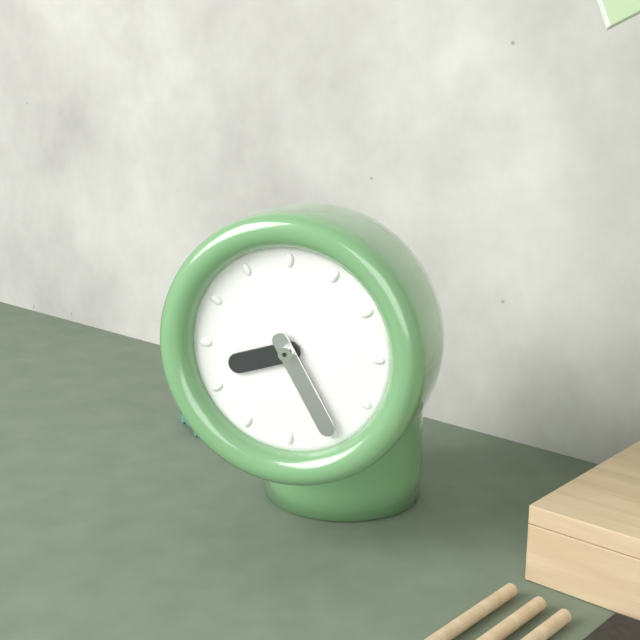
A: 8:25
